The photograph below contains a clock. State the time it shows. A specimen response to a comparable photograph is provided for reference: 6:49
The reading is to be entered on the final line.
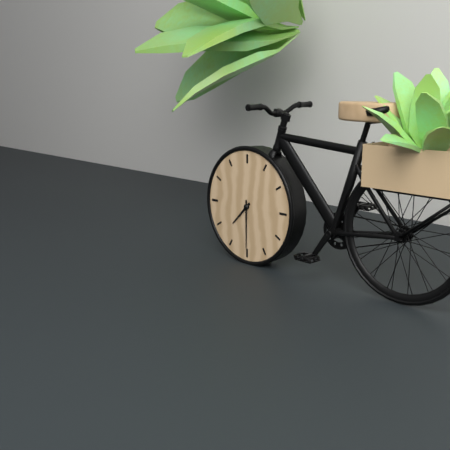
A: 7:30
